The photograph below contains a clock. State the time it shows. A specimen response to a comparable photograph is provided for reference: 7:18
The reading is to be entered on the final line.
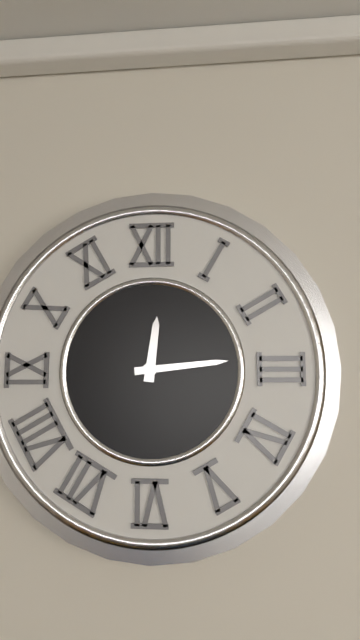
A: 12:14
